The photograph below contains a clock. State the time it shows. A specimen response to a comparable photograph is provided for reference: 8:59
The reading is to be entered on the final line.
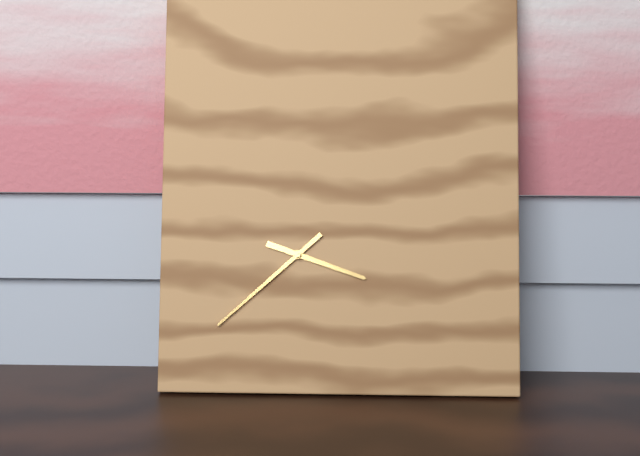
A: 3:38
